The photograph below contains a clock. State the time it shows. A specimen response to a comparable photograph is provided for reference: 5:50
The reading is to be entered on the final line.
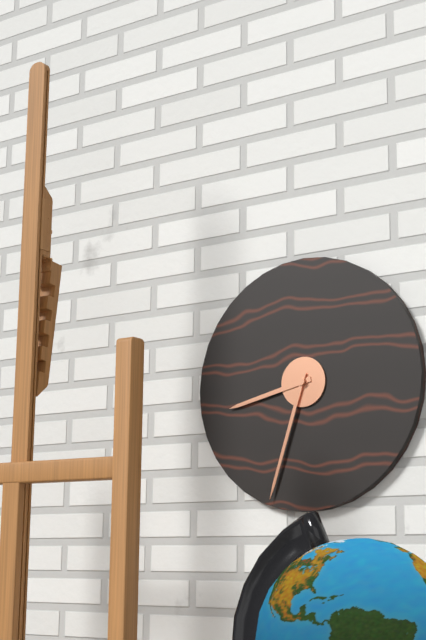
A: 8:33
